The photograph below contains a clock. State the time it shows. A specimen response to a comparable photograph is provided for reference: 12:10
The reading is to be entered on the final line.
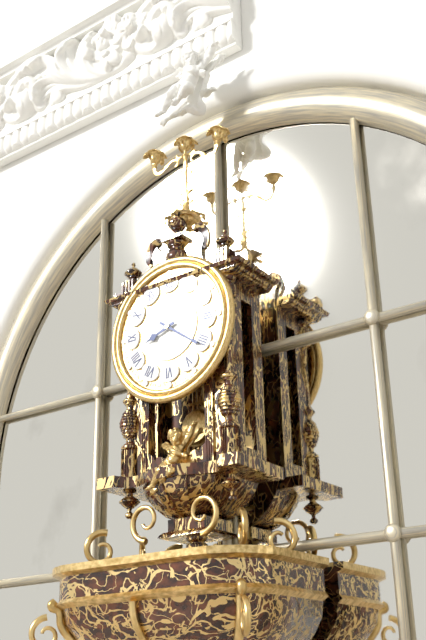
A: 8:21
